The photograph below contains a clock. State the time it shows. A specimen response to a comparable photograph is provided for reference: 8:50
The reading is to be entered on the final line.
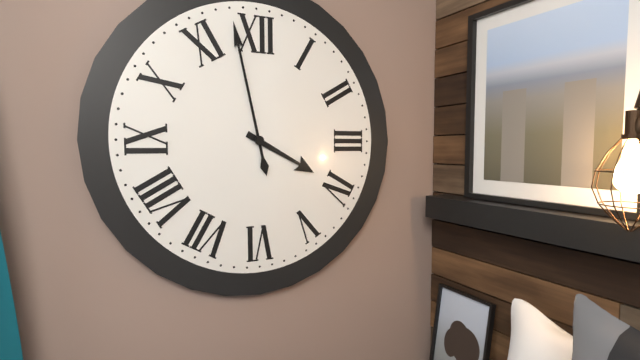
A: 3:58
